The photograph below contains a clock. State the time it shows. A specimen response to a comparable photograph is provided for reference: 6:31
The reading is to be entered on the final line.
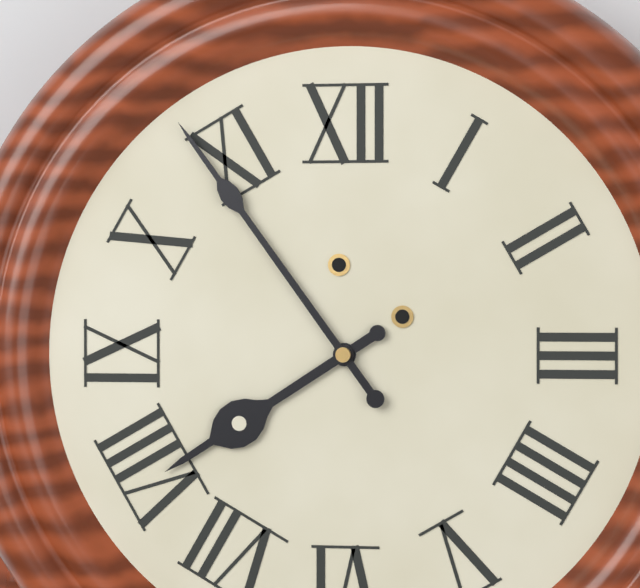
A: 7:54
